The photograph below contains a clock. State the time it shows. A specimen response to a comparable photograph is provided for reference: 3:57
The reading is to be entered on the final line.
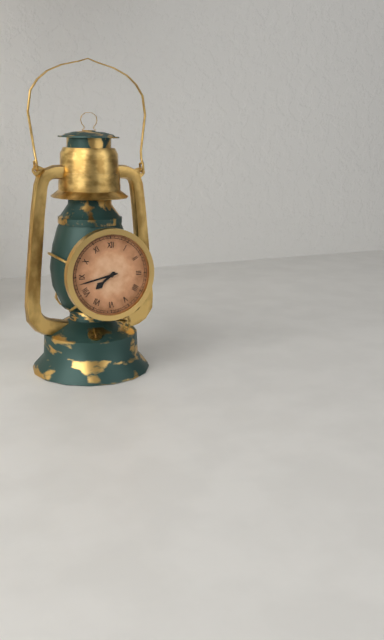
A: 7:43
